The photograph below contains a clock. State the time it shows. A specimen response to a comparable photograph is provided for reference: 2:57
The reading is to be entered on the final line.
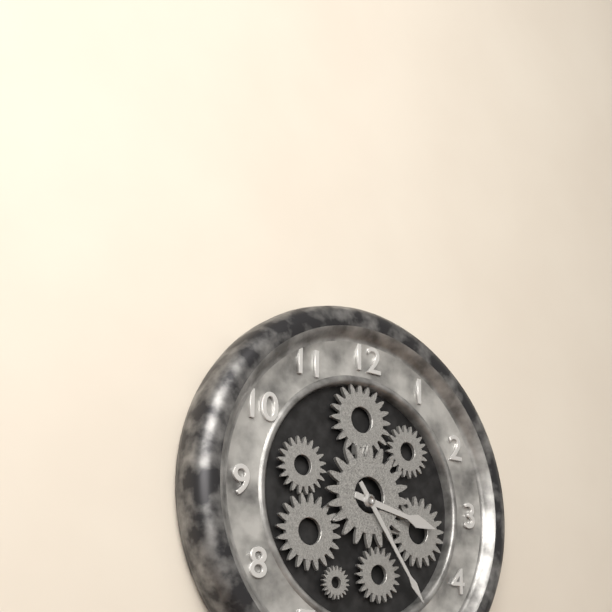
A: 3:24
